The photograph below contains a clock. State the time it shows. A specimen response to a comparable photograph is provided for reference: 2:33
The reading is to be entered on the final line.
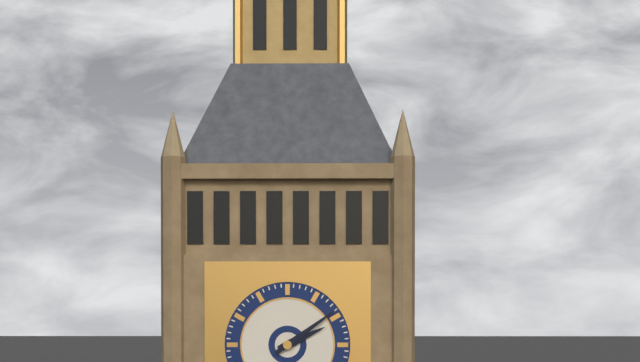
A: 2:09
